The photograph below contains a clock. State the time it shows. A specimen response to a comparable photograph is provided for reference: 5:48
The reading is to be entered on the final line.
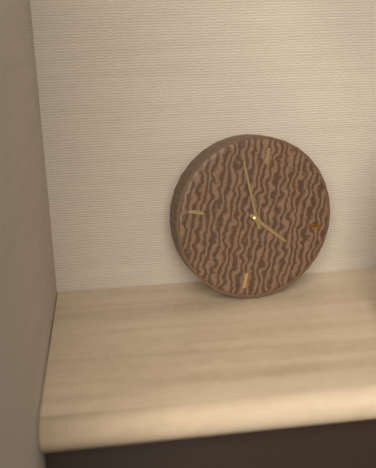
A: 3:56
